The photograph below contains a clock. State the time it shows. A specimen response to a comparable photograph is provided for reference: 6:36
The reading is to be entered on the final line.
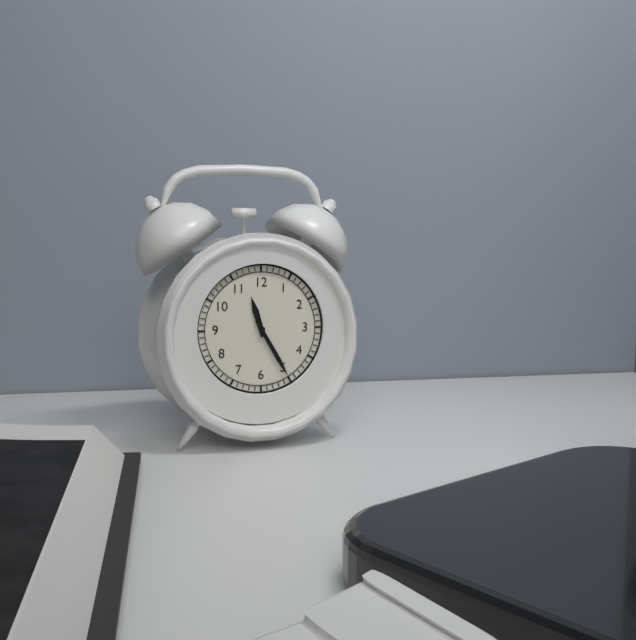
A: 11:25
